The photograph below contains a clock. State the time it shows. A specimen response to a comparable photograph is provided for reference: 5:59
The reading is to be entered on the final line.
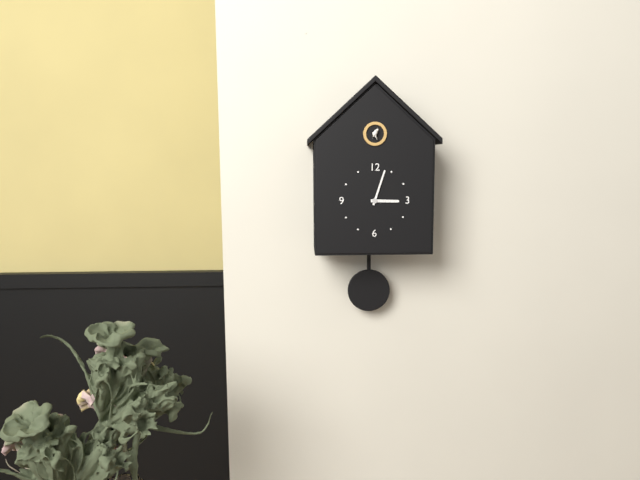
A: 3:03
